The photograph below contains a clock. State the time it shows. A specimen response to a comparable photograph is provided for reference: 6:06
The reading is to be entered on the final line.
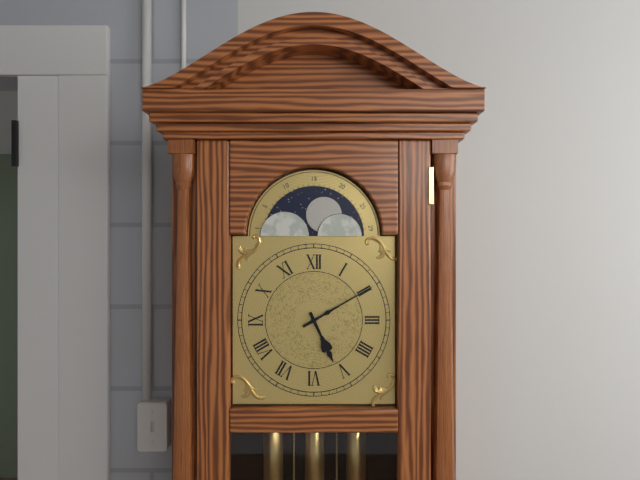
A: 5:10
